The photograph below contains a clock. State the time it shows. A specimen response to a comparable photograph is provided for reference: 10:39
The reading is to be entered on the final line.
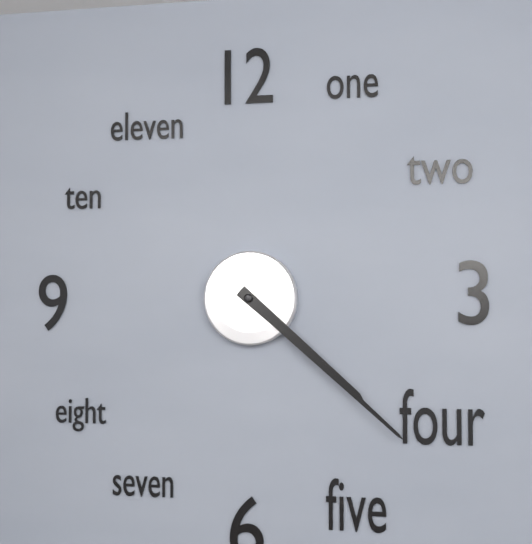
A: 4:22
